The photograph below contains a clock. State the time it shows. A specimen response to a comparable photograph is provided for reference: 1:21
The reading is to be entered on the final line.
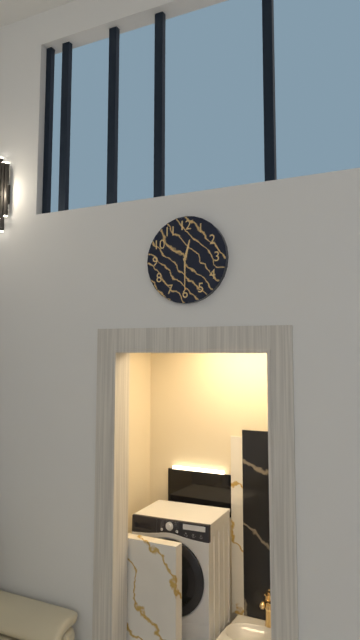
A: 12:30
